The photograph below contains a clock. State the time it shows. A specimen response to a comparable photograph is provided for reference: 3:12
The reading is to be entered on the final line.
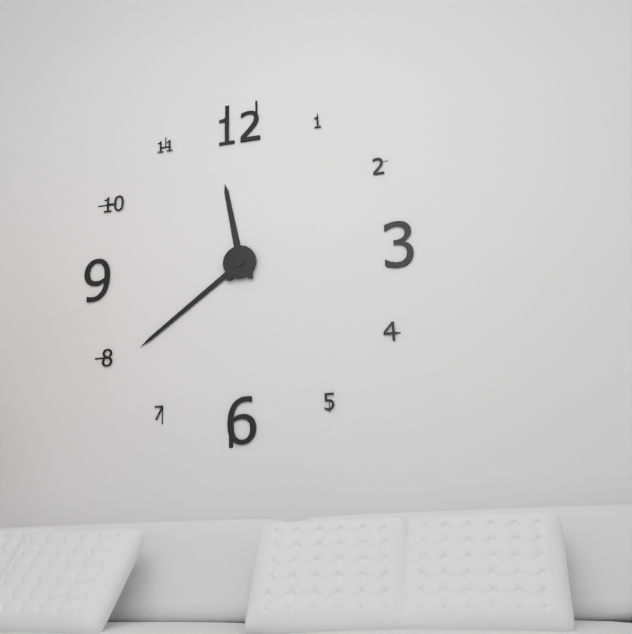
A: 11:39
